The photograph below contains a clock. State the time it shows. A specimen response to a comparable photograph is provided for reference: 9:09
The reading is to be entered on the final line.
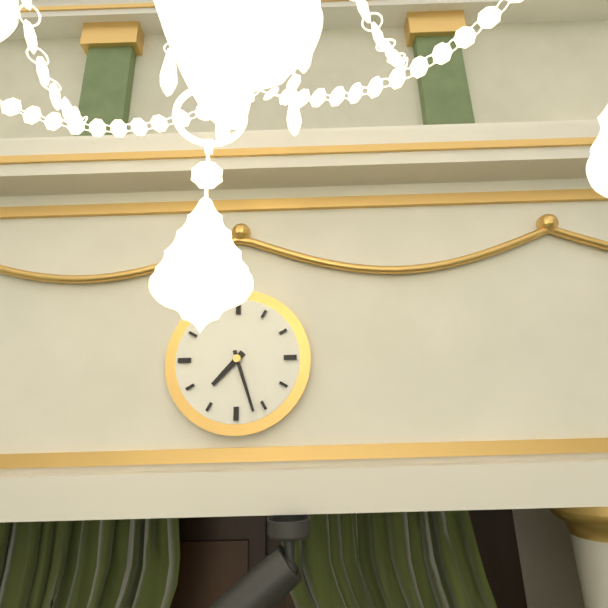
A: 7:27
